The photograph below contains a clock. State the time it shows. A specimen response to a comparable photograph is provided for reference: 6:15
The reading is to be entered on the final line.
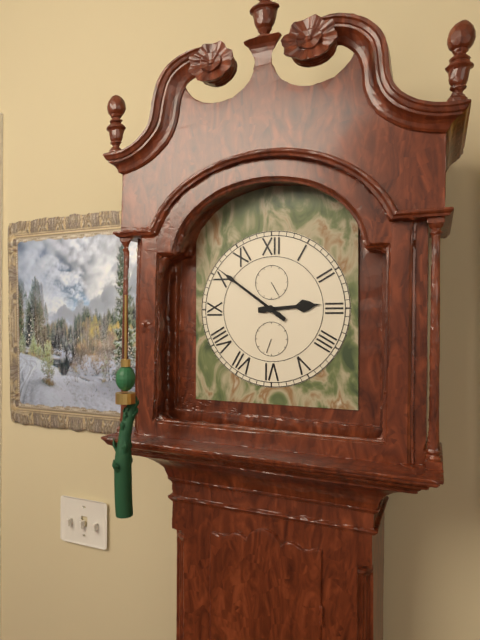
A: 2:51
